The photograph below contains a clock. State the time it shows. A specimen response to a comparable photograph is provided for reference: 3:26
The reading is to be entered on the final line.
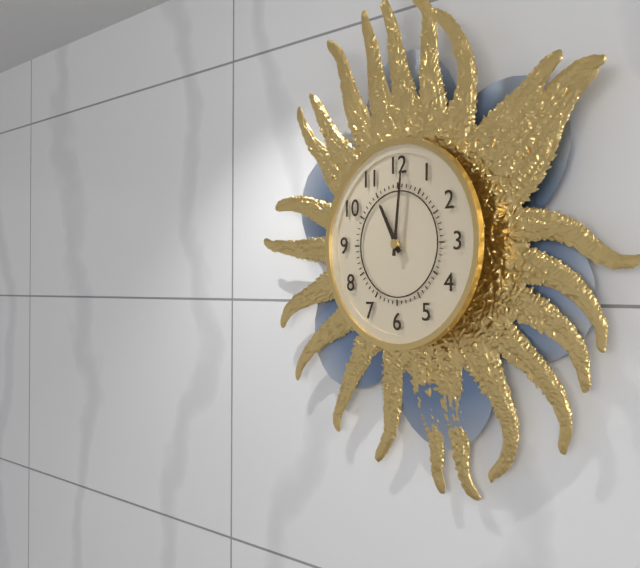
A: 11:01
